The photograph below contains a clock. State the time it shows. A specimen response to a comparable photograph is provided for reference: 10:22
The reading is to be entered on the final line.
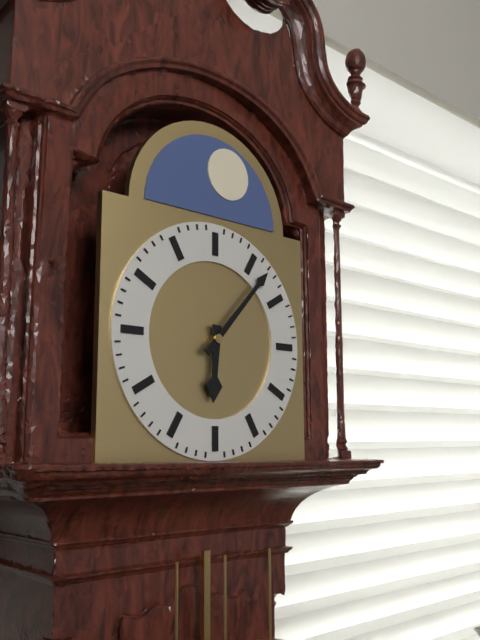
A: 6:07
